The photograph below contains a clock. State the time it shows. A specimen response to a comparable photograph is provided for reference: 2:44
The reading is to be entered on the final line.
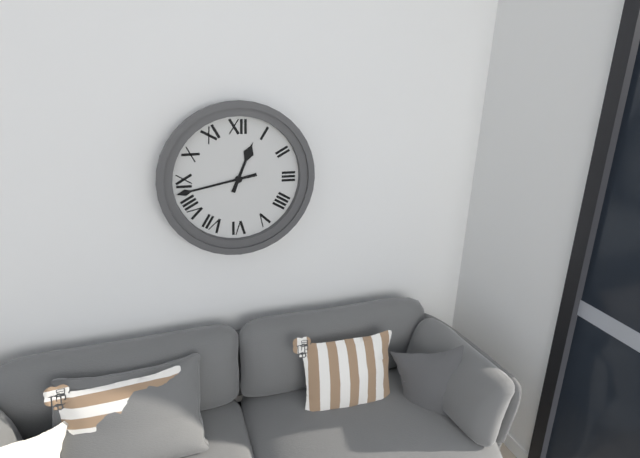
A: 12:43
